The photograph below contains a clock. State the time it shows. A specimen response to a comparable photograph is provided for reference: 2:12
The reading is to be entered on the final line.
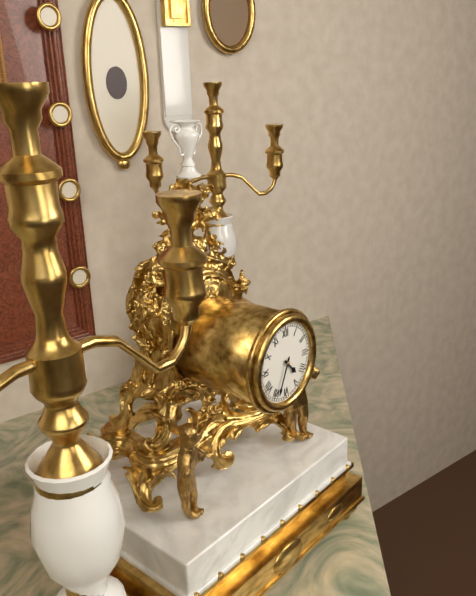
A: 4:34
